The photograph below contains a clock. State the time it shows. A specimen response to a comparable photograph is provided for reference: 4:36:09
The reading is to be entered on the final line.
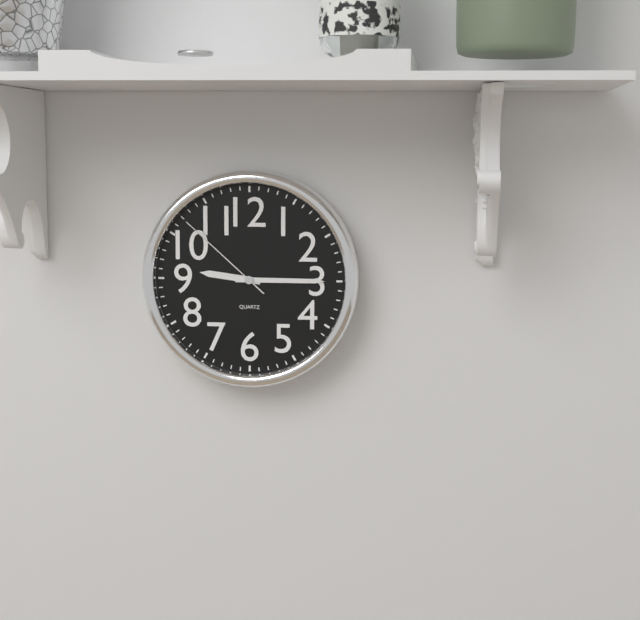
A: 9:15:52
